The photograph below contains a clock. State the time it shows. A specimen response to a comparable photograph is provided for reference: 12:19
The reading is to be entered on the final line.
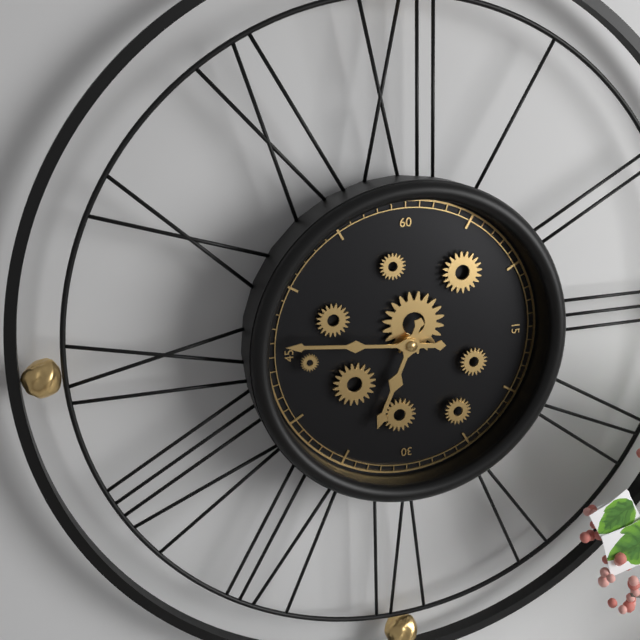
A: 6:46
